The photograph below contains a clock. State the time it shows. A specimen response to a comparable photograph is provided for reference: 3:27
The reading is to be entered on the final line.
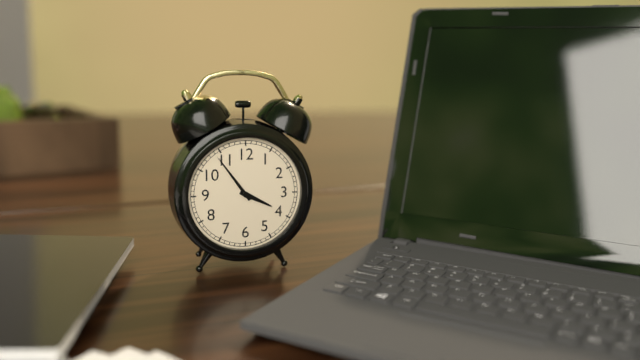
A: 3:54
